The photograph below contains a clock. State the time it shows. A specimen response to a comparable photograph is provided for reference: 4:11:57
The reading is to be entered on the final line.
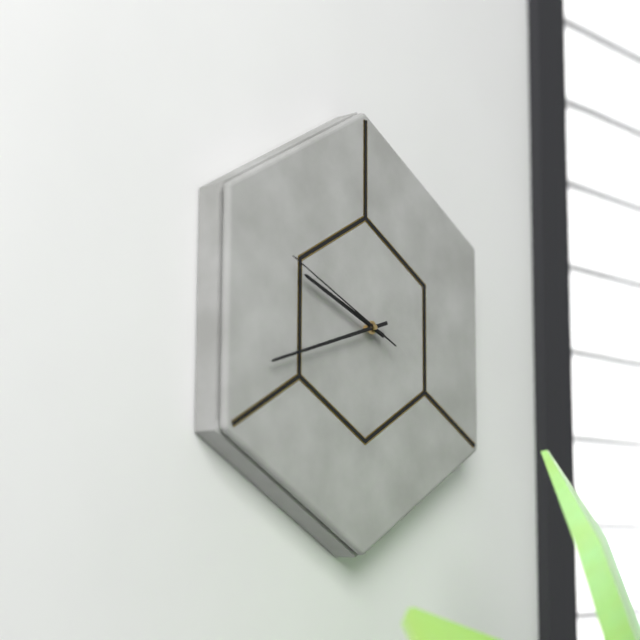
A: 9:42:49
